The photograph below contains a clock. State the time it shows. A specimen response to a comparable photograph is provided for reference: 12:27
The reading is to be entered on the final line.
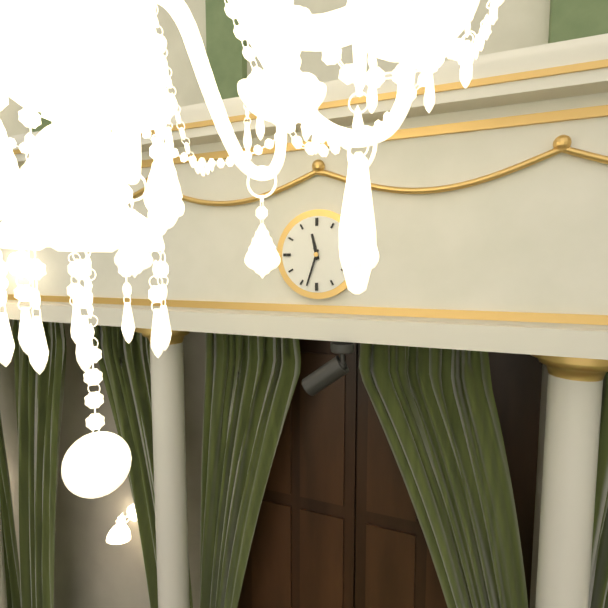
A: 11:33
